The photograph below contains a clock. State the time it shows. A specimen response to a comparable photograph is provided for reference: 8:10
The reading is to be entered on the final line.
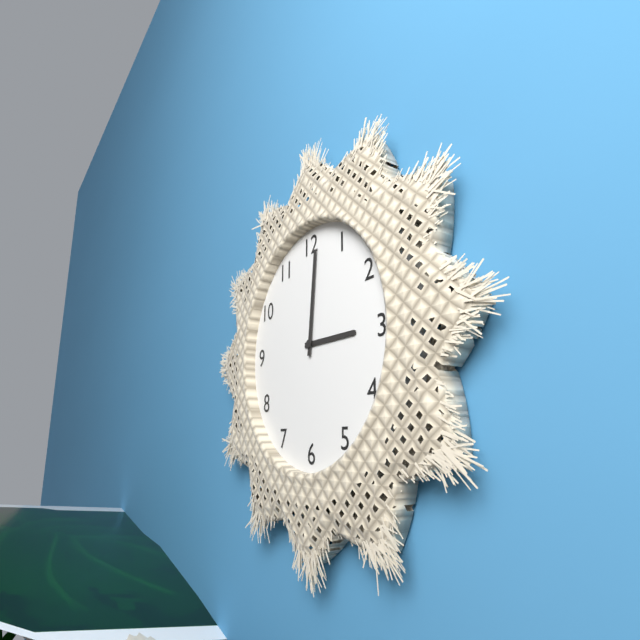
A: 3:01
